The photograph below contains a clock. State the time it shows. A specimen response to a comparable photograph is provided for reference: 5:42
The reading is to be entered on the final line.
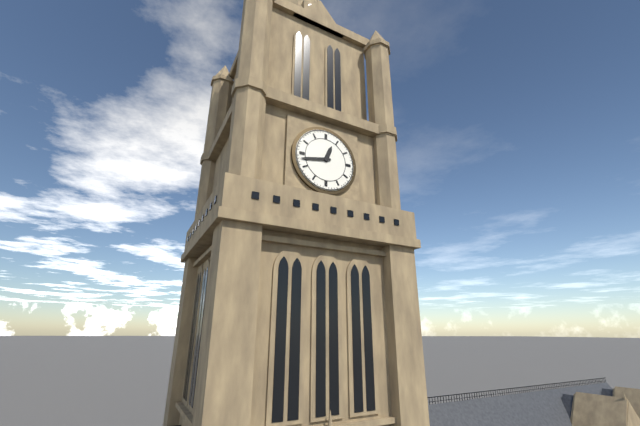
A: 12:43
